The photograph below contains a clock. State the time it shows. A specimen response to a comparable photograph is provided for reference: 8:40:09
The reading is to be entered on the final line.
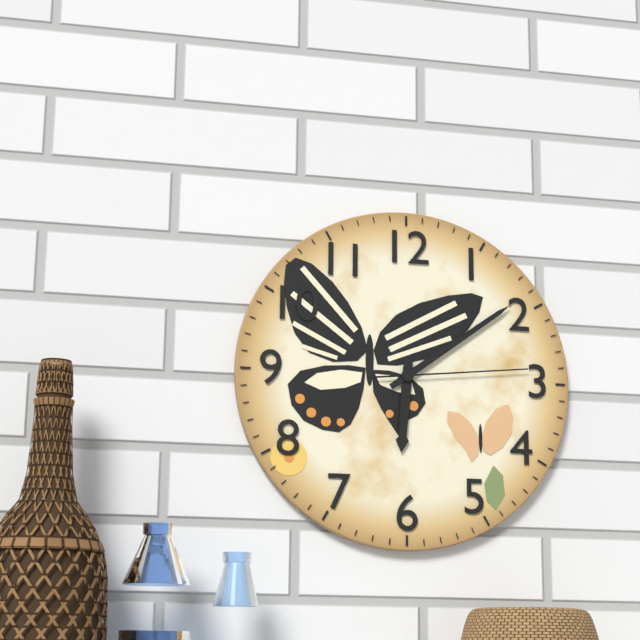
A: 6:09:14
